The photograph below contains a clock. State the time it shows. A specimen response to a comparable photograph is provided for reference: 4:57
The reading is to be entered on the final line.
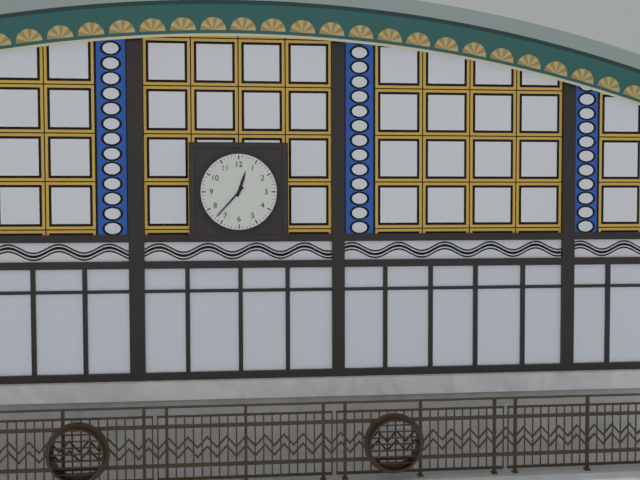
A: 12:37
